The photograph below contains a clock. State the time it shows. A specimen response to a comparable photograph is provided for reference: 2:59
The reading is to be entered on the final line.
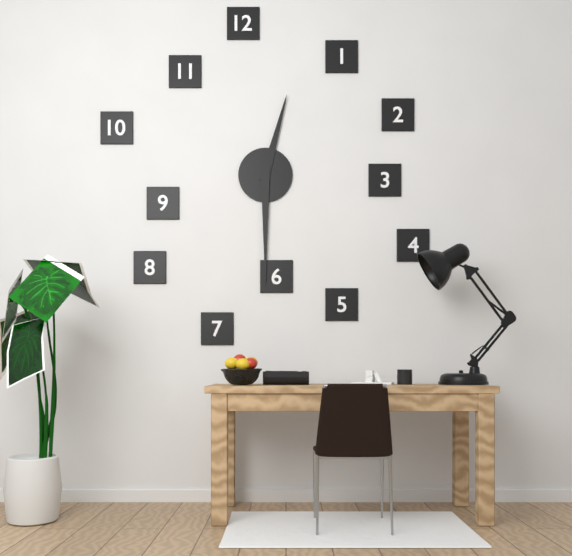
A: 12:30
